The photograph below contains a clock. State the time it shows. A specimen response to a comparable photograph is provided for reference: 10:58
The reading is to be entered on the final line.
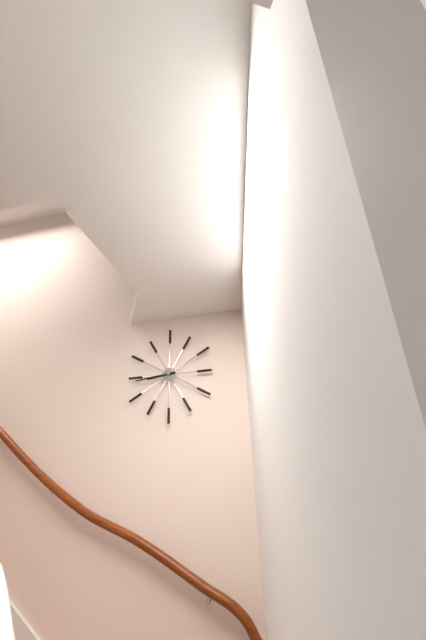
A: 8:44
